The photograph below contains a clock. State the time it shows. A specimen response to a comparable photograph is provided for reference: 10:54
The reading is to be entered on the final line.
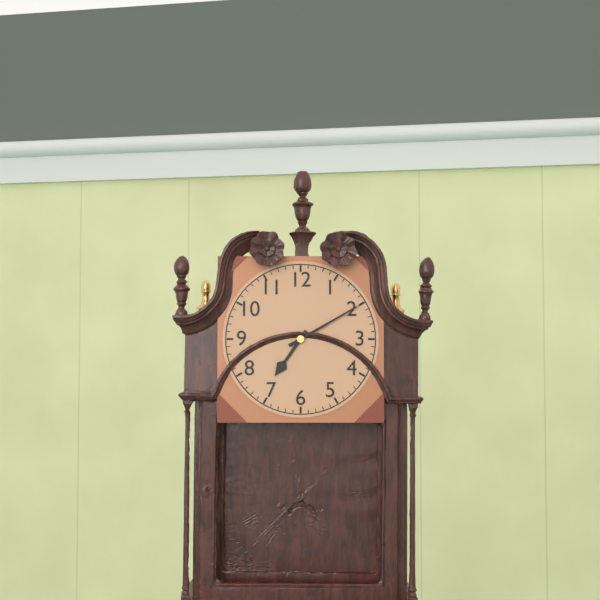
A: 7:10
